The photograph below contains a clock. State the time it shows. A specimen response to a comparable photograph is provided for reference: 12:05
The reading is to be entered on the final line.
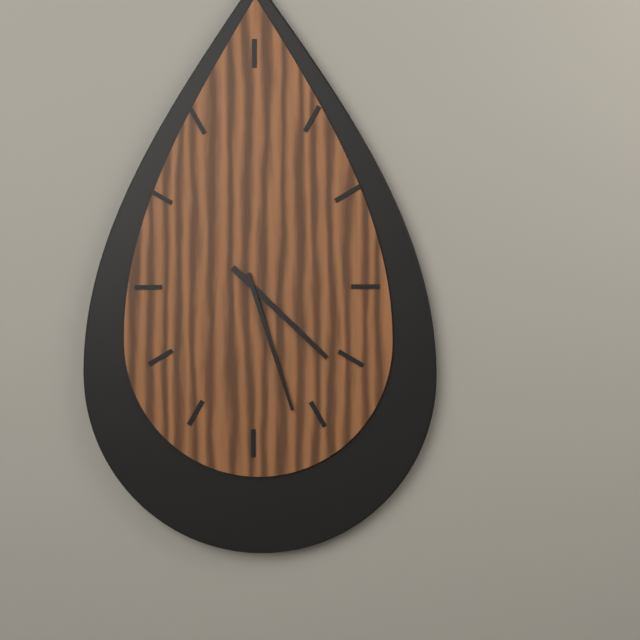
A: 4:27
